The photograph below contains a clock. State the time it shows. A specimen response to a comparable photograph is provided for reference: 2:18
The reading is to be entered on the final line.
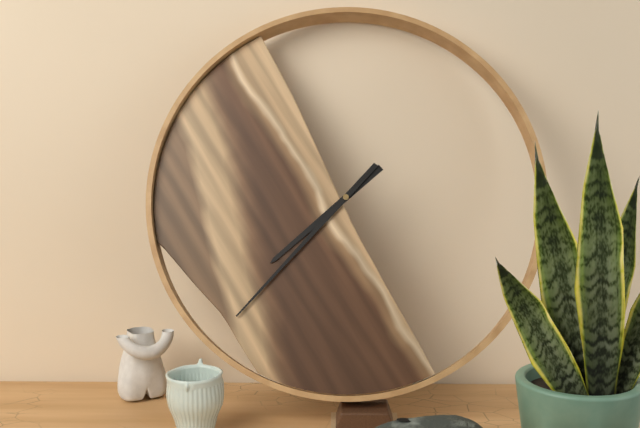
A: 7:37
